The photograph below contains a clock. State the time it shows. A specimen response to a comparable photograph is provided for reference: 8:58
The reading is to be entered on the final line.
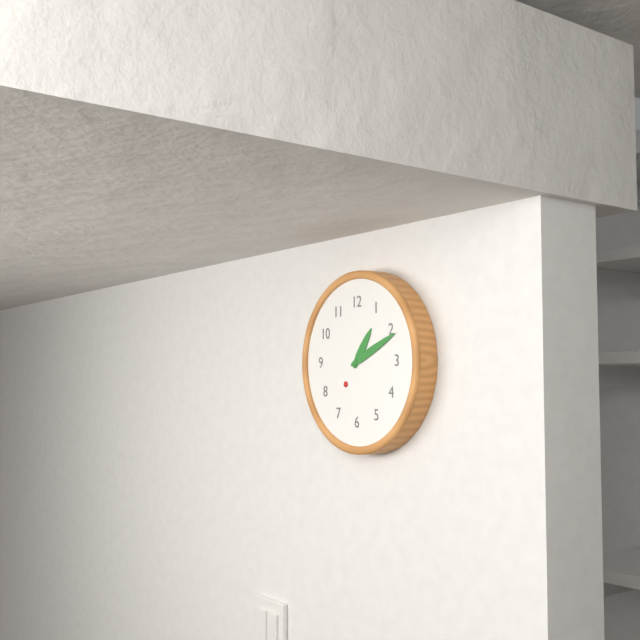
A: 1:11
